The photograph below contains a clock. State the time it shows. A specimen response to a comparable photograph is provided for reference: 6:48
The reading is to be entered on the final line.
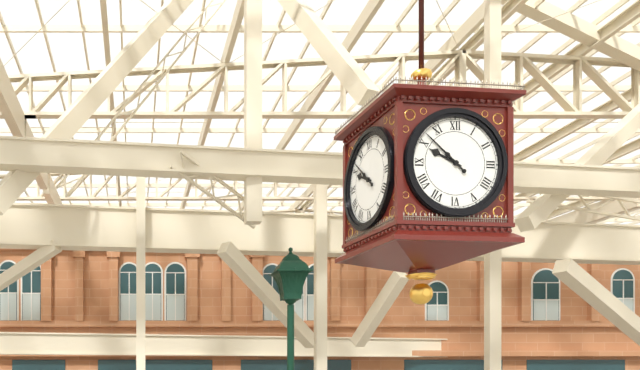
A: 9:52
